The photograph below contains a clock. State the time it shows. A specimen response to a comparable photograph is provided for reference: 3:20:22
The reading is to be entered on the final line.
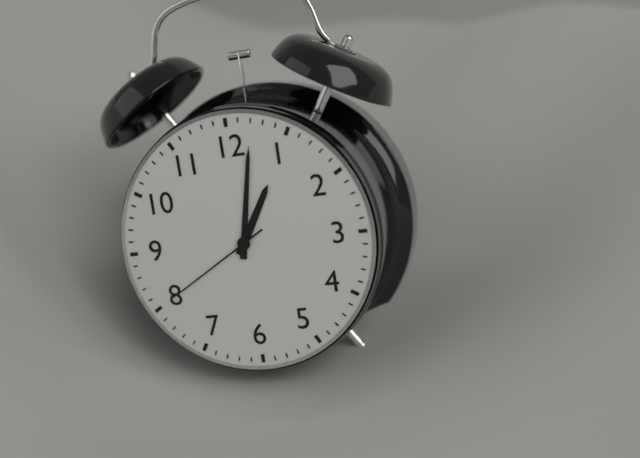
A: 1:02:40
